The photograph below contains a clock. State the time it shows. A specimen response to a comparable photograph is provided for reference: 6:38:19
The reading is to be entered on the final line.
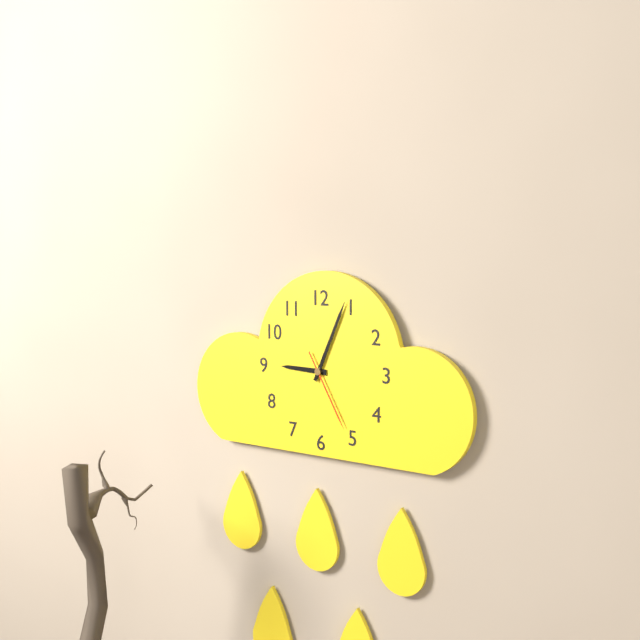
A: 9:04:25
